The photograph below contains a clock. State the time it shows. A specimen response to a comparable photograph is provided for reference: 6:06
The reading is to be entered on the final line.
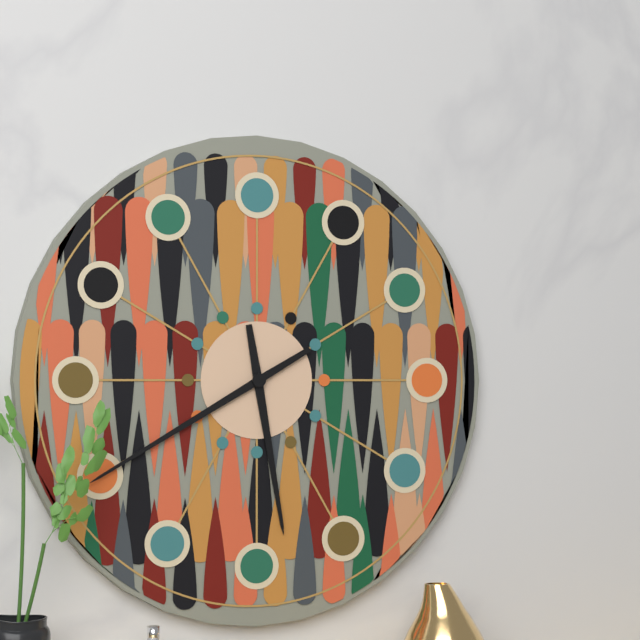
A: 5:40
